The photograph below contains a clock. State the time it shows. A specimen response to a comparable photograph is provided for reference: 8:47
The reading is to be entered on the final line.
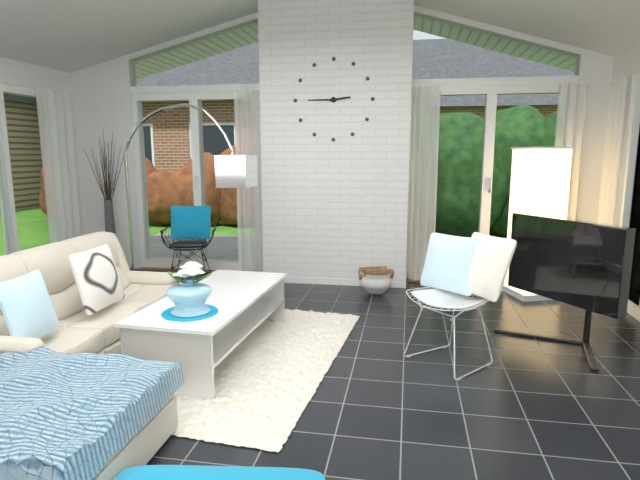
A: 2:45
